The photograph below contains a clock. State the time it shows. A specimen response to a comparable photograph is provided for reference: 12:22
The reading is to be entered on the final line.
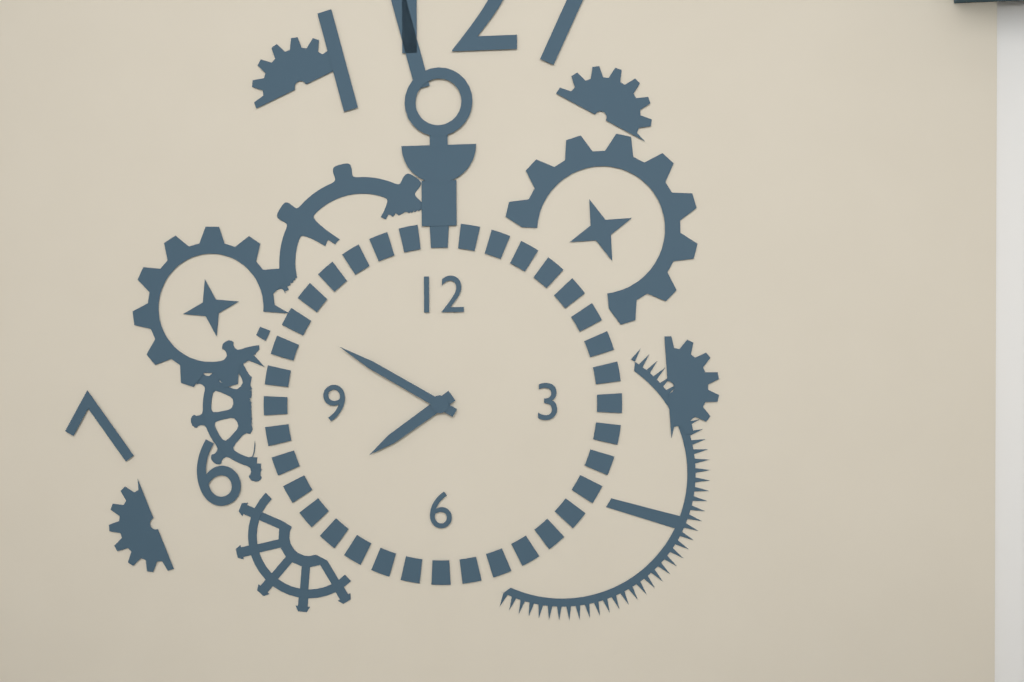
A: 7:50
